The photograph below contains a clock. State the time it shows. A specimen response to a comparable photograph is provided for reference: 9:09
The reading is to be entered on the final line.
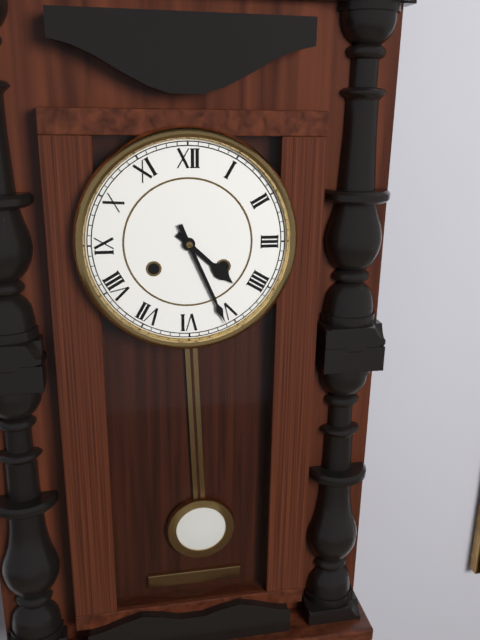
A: 4:26
